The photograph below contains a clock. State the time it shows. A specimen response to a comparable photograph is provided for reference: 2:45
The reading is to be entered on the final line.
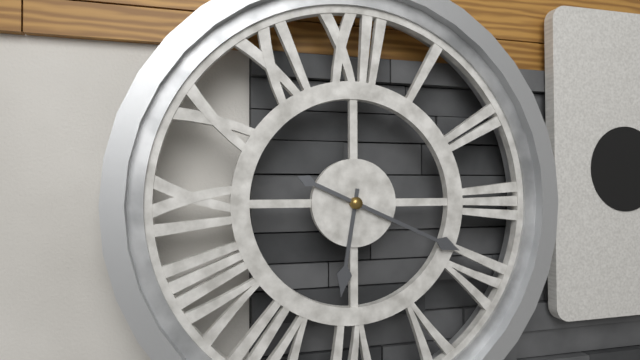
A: 6:19
